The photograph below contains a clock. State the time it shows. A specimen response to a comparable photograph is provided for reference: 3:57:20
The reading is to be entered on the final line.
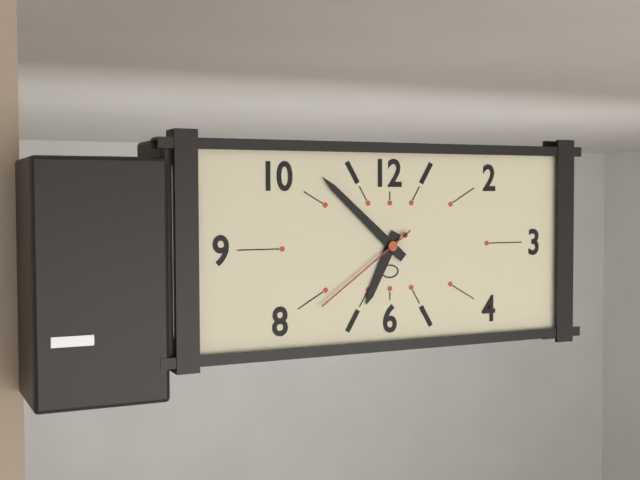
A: 6:52:39
